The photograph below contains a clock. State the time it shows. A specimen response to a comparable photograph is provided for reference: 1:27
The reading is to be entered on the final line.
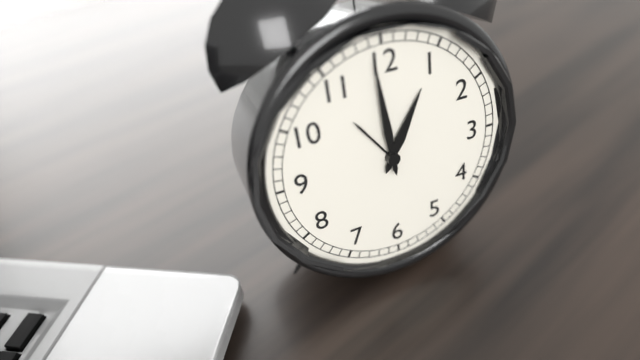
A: 12:59
